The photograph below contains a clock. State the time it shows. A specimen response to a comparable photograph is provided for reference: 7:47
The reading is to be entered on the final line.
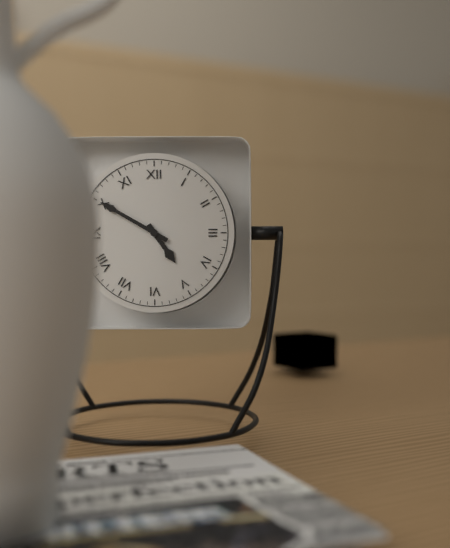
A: 4:50
